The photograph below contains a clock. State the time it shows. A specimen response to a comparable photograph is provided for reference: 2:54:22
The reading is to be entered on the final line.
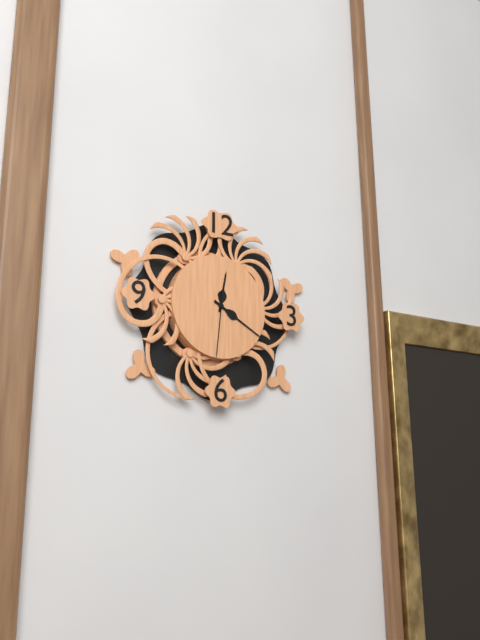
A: 12:20:31
